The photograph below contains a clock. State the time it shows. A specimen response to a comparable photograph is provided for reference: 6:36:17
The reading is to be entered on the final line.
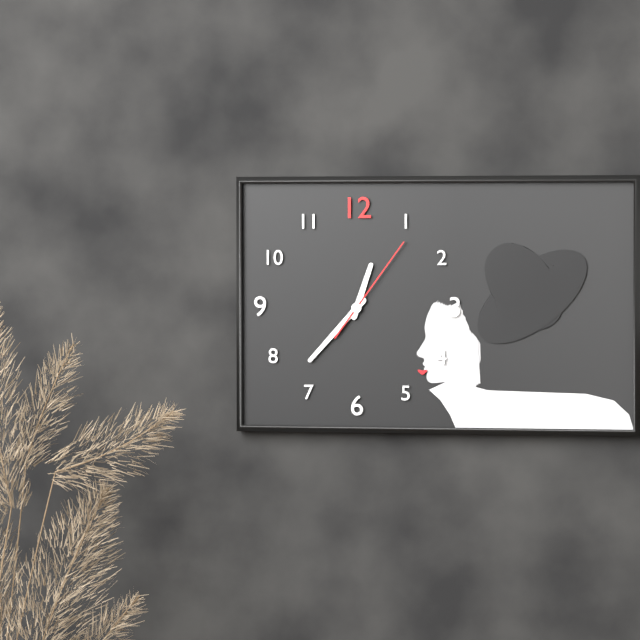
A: 12:37:06
